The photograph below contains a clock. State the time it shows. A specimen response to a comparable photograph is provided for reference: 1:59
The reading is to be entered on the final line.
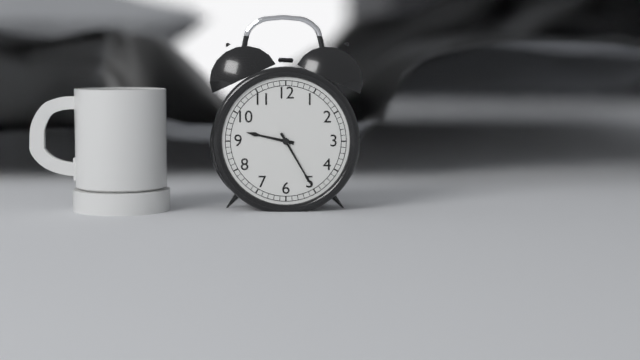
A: 9:25
